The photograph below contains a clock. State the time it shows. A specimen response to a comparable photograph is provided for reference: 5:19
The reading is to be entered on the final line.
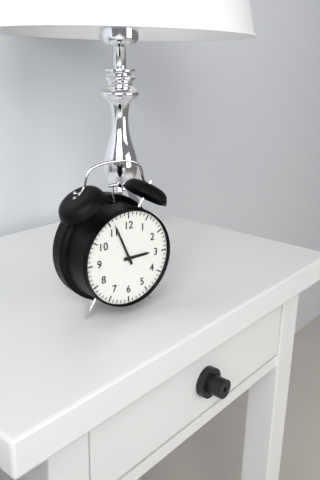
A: 2:56
